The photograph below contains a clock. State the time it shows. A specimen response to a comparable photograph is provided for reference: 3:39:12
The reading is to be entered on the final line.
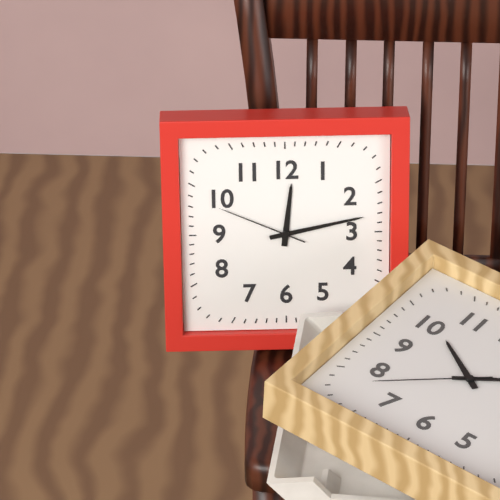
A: 12:13:49
